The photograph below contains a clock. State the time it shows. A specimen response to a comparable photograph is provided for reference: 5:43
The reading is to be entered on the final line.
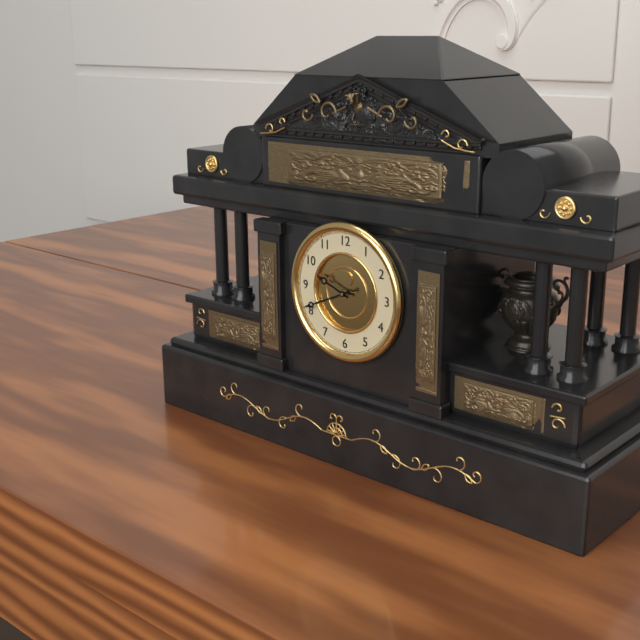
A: 9:41
